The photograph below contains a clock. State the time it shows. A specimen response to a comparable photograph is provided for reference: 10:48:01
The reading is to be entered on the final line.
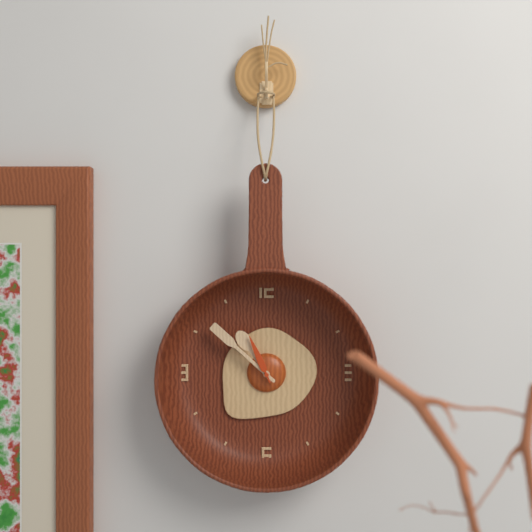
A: 10:52:56
